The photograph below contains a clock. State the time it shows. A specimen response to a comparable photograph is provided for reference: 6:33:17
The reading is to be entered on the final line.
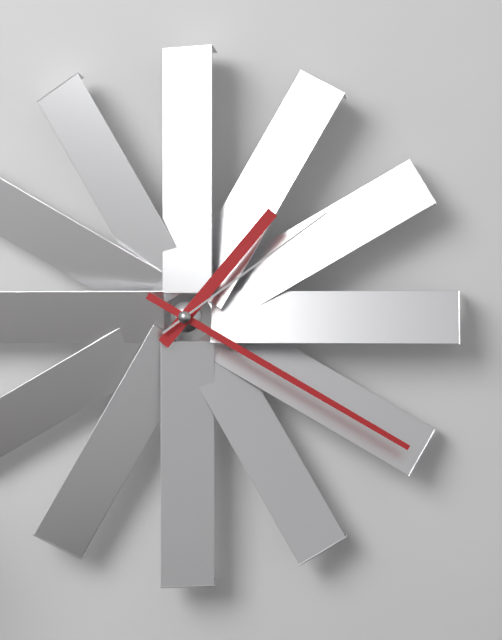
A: 1:20:09
